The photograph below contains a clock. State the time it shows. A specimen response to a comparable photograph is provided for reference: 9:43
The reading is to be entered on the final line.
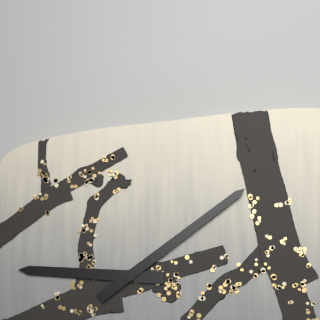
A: 9:09
